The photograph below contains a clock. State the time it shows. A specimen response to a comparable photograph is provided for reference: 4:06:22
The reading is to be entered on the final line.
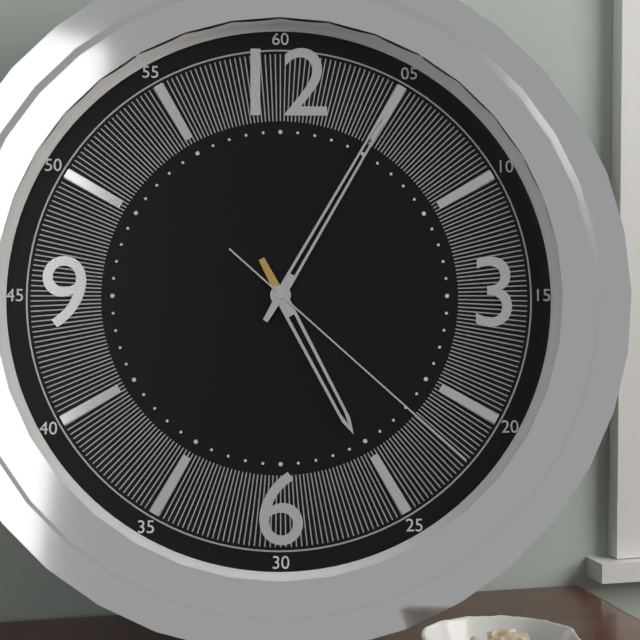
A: 5:05:22
